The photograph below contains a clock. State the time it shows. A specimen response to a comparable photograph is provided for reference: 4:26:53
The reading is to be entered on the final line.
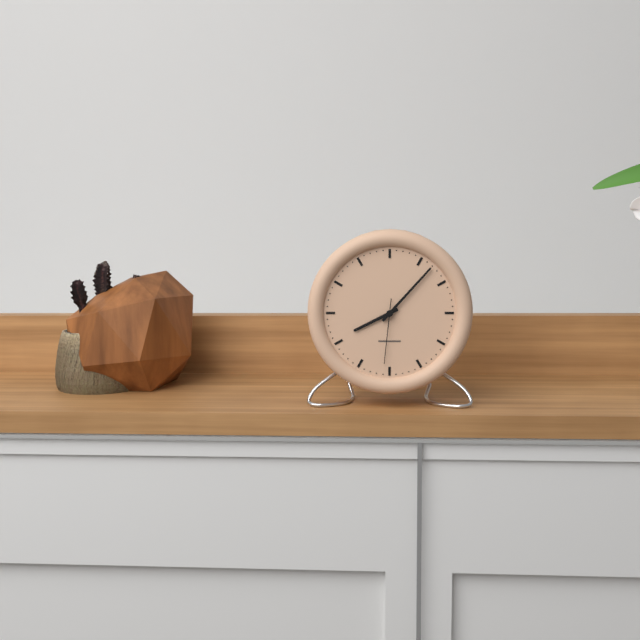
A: 8:07:31
